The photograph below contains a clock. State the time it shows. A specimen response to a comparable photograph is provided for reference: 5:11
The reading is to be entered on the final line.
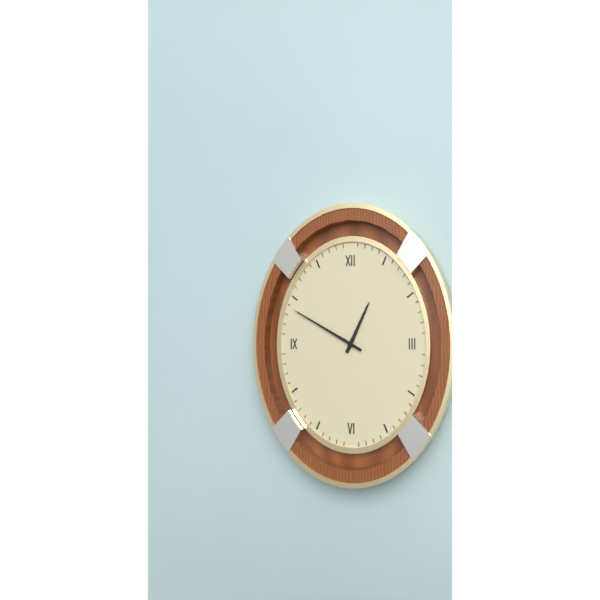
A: 12:50
